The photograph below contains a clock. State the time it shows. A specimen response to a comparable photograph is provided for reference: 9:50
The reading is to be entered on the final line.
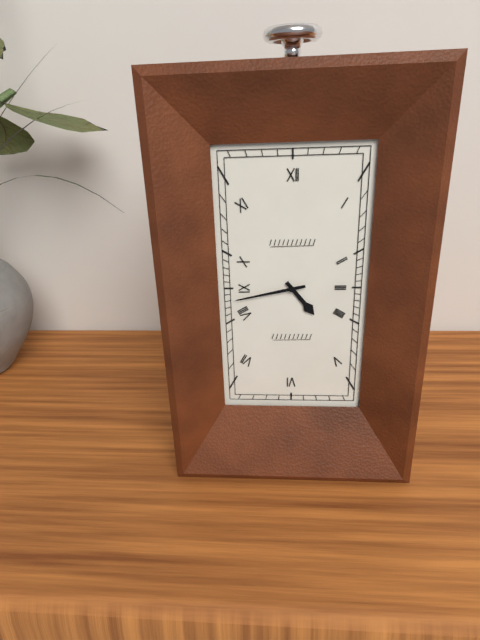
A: 4:43
